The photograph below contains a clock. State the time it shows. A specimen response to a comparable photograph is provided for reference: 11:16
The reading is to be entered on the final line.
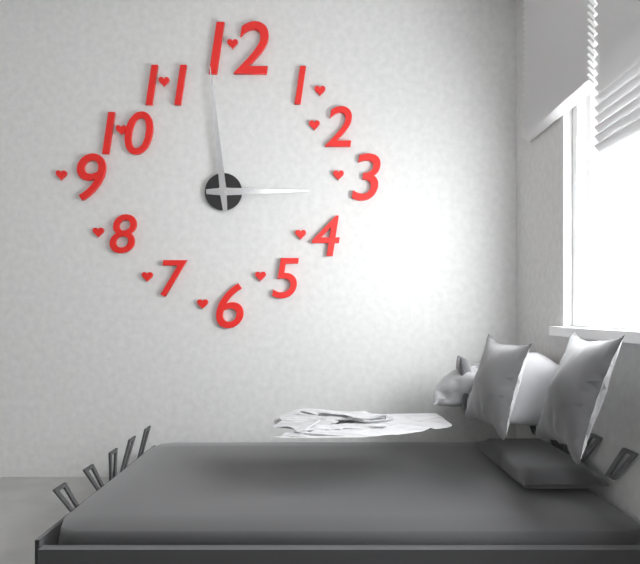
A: 2:59
